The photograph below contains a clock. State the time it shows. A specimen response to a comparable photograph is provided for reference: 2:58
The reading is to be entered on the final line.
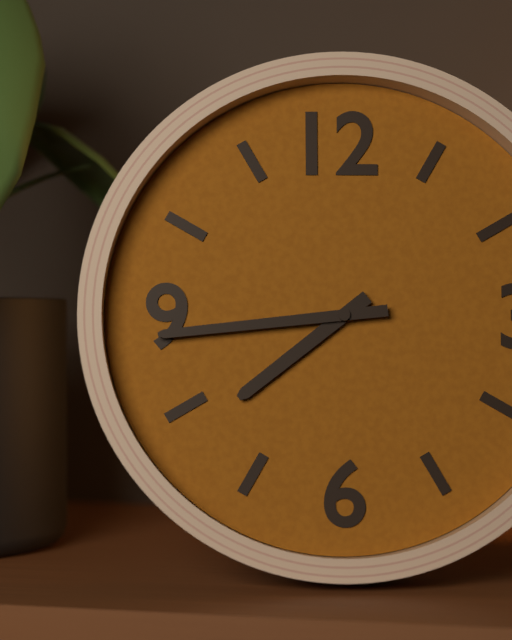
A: 7:44
